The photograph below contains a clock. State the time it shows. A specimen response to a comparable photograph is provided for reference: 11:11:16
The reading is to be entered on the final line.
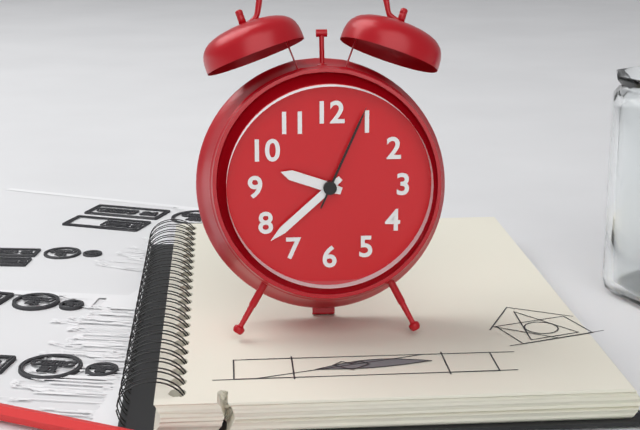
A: 9:38:04
